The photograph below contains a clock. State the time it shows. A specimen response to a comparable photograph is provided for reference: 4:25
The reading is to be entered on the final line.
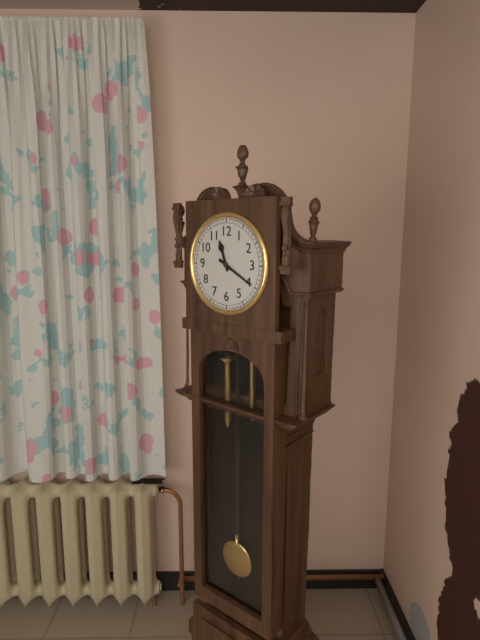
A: 11:20
